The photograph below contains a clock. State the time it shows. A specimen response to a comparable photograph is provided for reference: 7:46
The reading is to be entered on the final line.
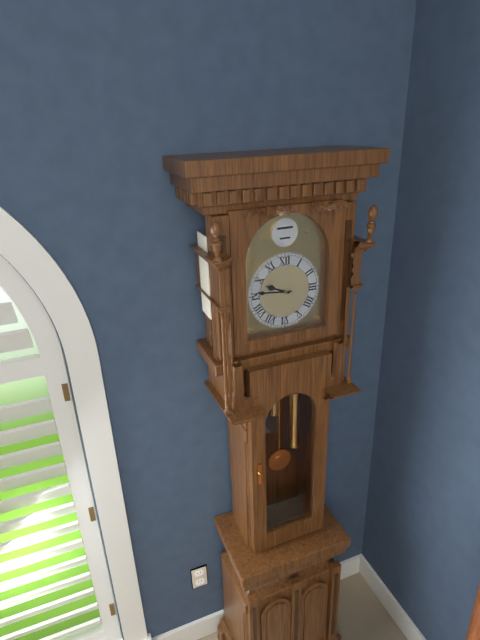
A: 9:46
